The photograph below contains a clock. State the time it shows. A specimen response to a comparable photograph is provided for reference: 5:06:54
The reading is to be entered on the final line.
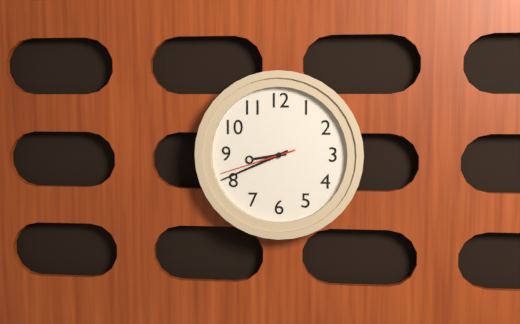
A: 8:41:42
